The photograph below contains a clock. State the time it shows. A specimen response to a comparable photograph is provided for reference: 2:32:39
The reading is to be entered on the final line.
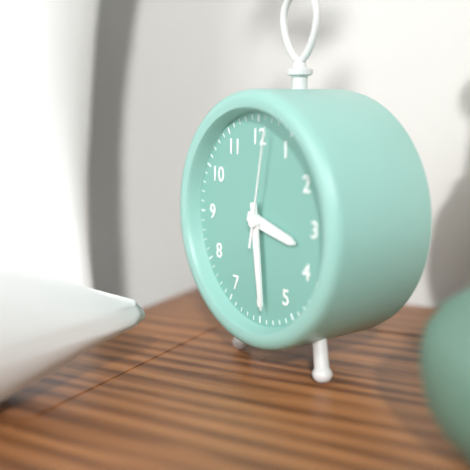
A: 3:29:02
